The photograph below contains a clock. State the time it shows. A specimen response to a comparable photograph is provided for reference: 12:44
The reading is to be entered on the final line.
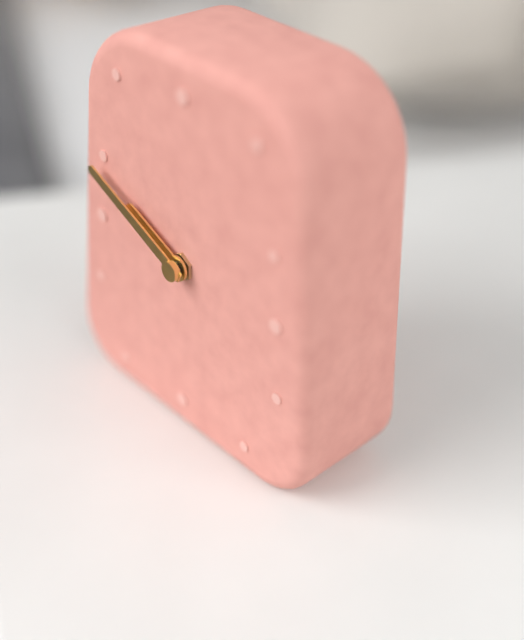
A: 9:49
